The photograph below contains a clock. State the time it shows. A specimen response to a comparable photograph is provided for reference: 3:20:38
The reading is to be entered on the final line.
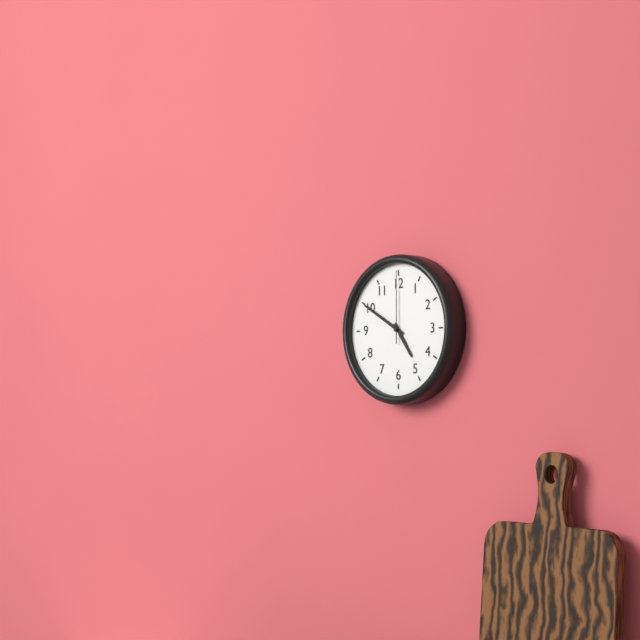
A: 4:50:00
